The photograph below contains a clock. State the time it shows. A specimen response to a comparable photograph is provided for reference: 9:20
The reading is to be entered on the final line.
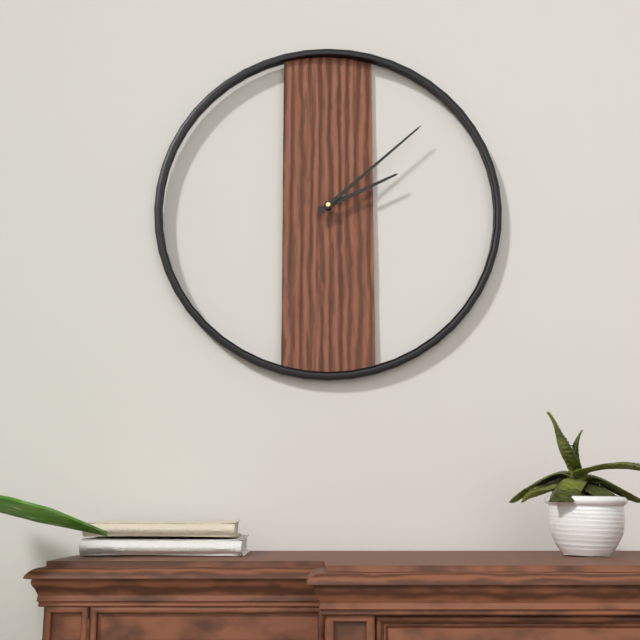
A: 2:08
